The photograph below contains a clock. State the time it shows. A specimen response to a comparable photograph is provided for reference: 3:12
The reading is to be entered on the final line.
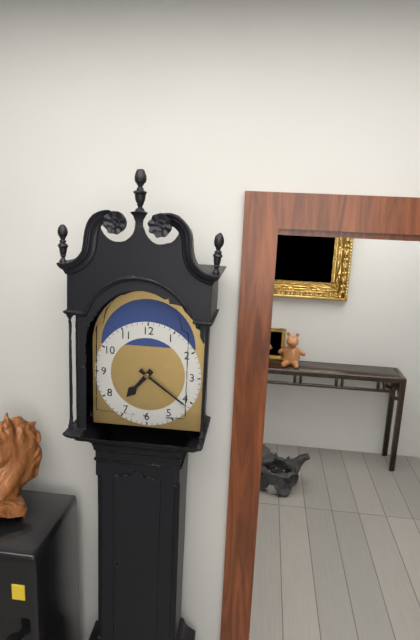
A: 7:21
